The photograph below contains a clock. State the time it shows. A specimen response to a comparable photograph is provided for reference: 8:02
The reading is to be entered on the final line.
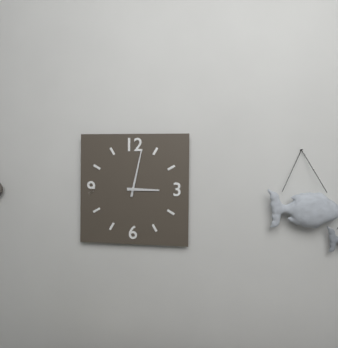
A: 3:02
